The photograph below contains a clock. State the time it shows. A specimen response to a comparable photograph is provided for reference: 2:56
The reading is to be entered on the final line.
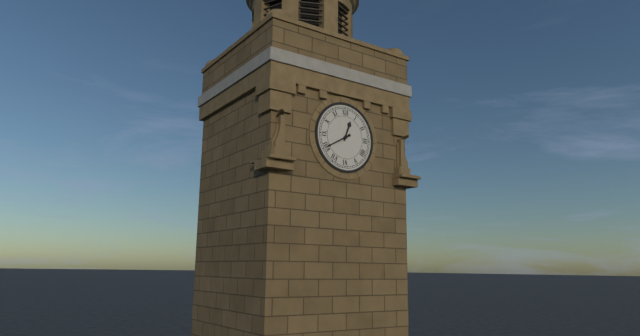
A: 12:40
